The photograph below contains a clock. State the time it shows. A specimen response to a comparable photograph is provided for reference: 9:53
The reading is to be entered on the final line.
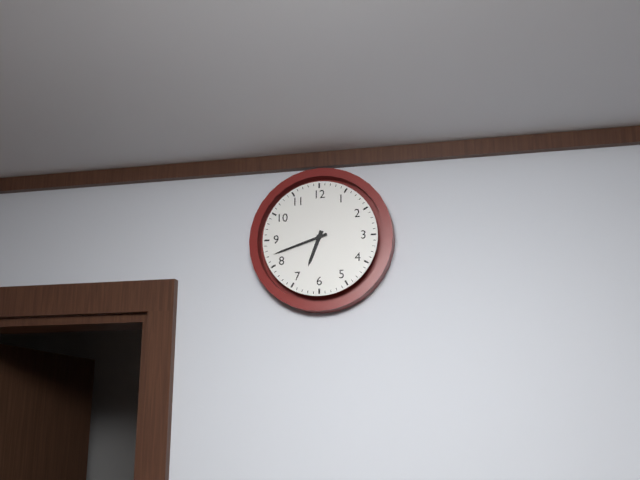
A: 6:42
